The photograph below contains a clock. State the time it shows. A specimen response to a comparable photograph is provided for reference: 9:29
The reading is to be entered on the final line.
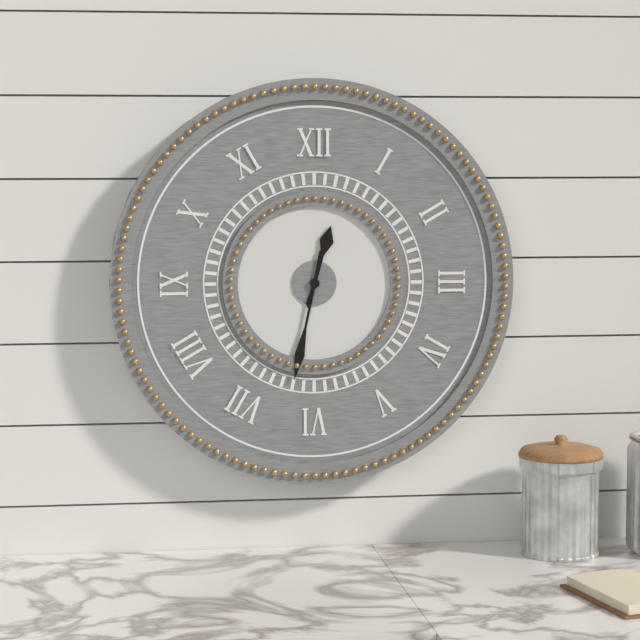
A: 12:32
